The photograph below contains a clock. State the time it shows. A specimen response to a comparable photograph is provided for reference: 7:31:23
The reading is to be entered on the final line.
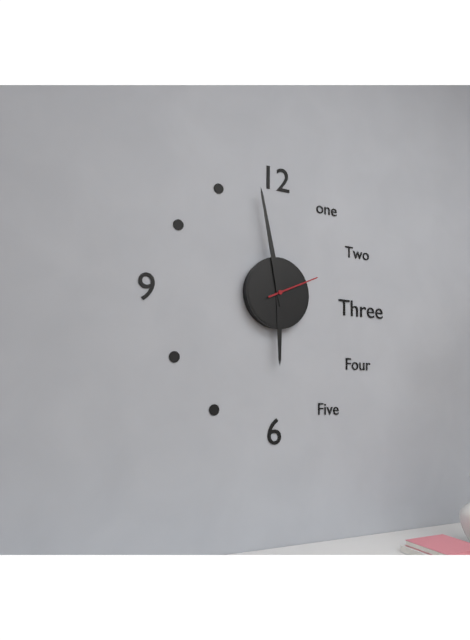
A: 5:58:11
